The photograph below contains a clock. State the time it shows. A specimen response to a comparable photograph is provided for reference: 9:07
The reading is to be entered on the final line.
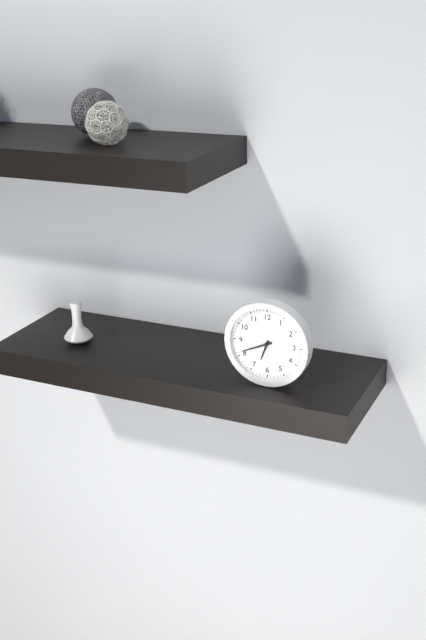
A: 6:41
